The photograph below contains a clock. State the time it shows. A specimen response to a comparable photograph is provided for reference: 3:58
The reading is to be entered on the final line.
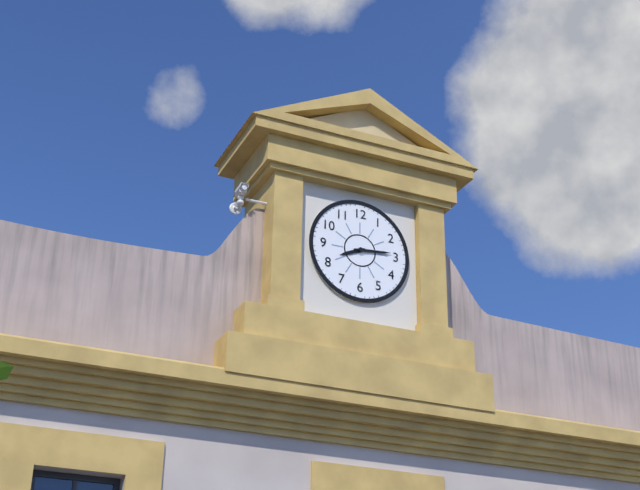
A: 8:14
